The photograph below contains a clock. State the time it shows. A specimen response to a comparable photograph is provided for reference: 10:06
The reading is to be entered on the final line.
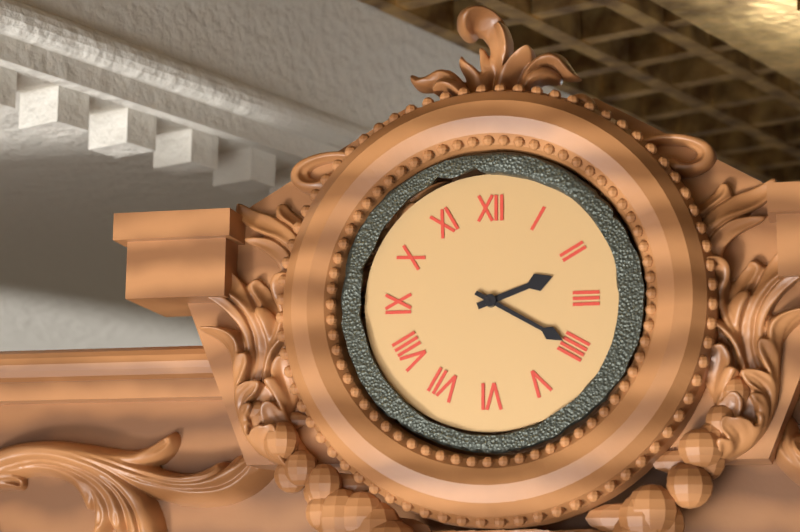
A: 2:20
